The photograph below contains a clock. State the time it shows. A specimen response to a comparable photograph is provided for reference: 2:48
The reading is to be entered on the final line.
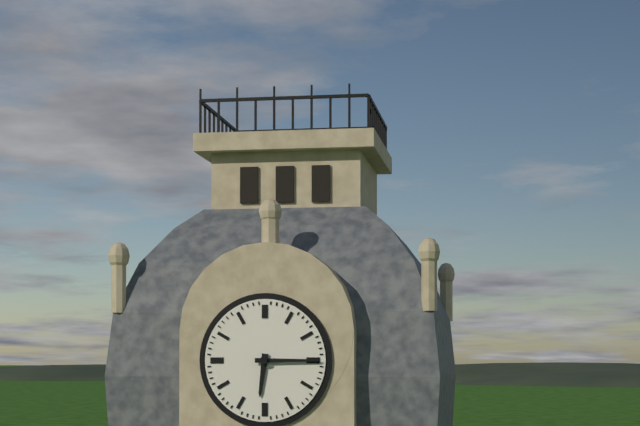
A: 6:15
